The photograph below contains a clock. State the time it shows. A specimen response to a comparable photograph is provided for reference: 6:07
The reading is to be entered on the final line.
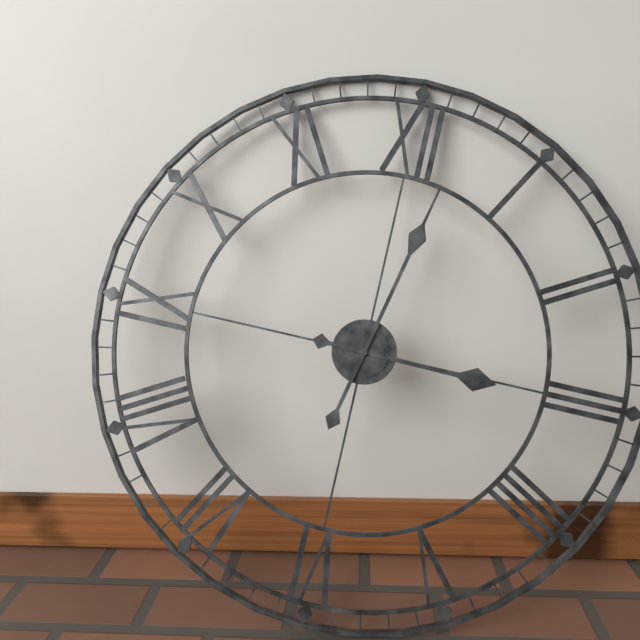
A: 3:02
